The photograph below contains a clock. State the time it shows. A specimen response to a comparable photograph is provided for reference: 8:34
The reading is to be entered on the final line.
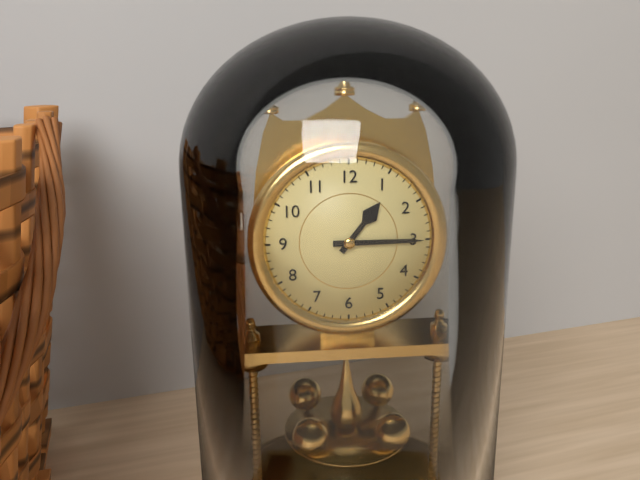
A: 1:15
